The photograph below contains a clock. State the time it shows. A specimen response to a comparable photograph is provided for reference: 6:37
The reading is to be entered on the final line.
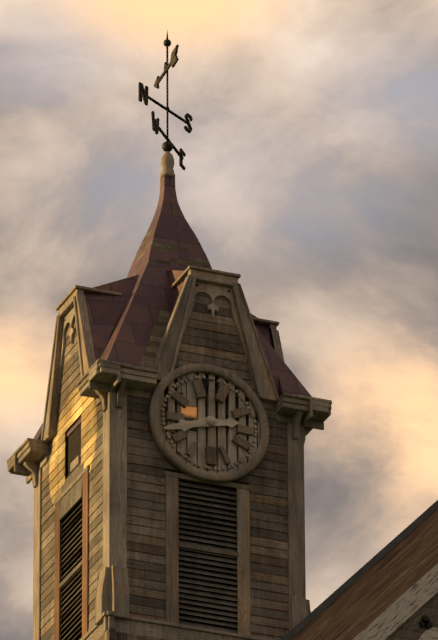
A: 2:42
